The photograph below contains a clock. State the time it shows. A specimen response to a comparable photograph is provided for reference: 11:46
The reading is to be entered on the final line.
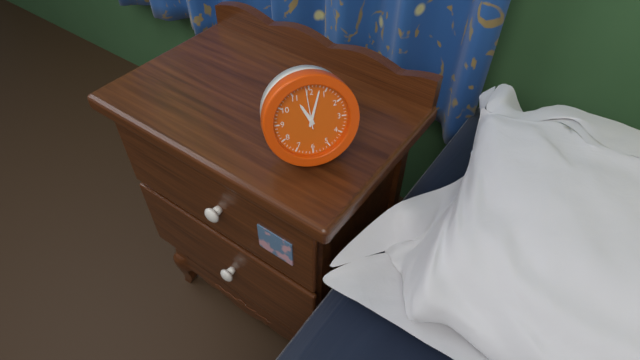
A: 11:03
